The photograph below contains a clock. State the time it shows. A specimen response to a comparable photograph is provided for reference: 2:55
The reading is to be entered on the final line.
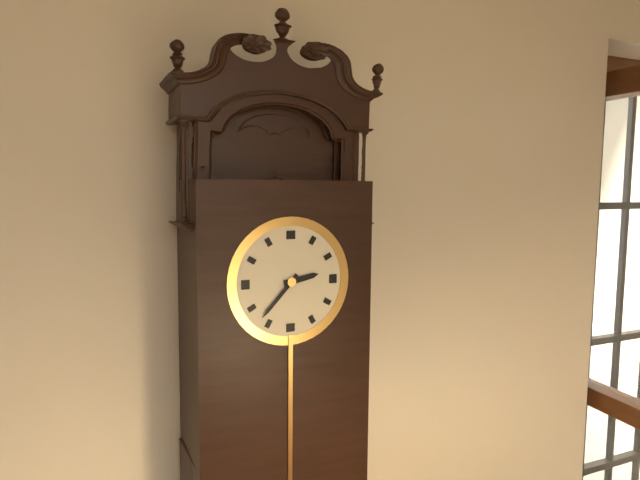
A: 2:37
